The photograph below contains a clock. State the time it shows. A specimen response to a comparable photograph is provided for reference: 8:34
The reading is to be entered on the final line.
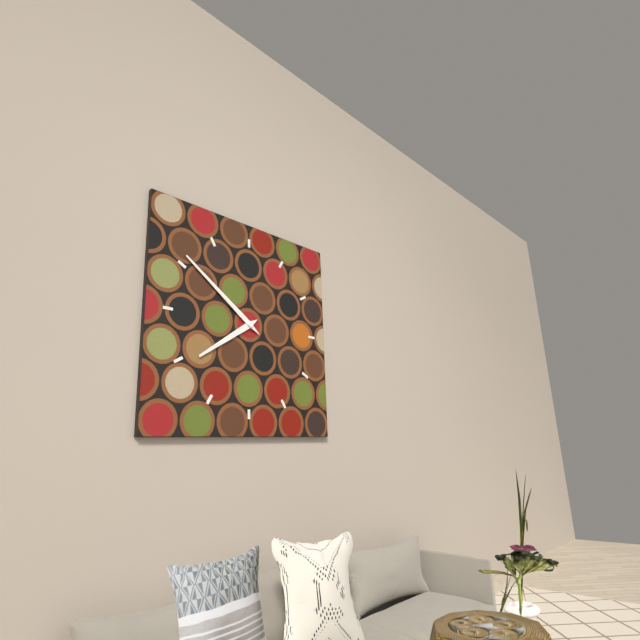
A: 7:51
